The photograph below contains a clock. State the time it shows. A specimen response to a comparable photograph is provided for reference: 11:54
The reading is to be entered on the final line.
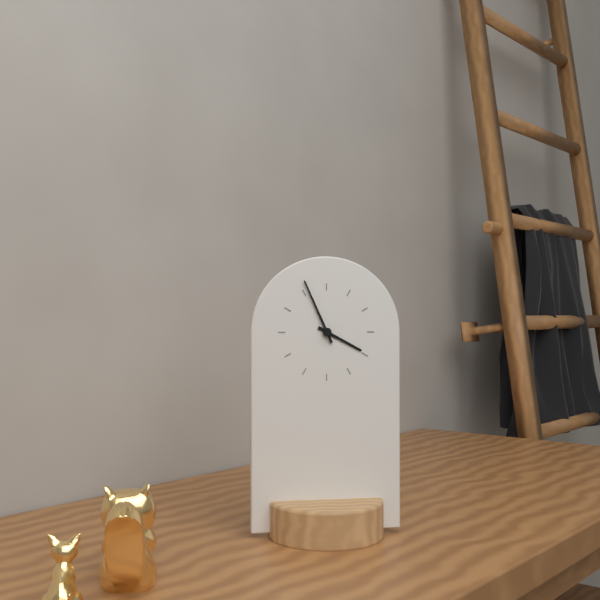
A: 3:56
